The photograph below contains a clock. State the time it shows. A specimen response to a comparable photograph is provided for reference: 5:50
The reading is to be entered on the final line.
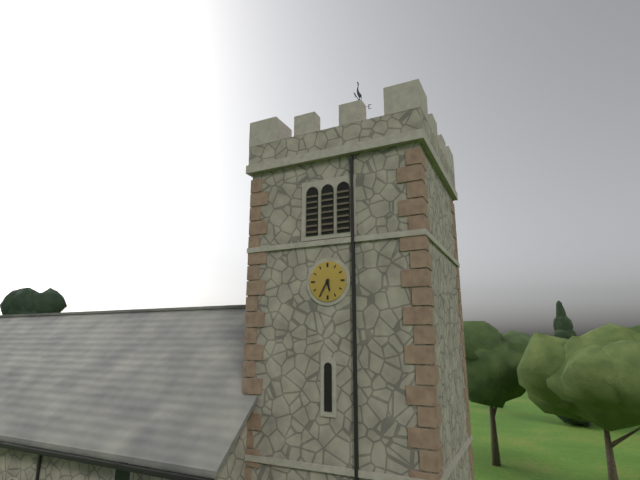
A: 5:35
